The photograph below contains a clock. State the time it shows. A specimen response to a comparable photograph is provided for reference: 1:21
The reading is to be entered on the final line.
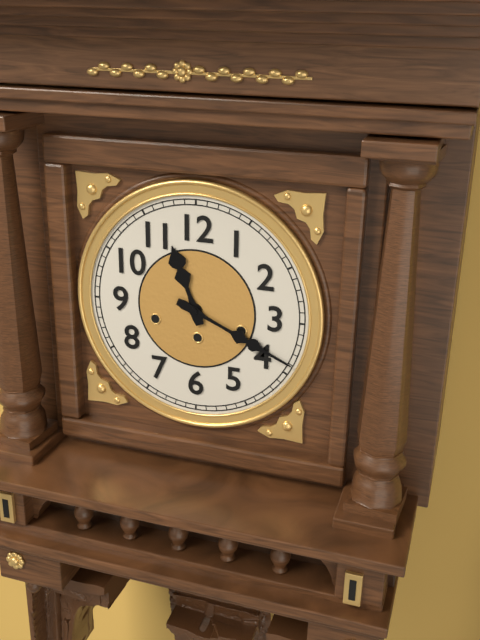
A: 11:19
